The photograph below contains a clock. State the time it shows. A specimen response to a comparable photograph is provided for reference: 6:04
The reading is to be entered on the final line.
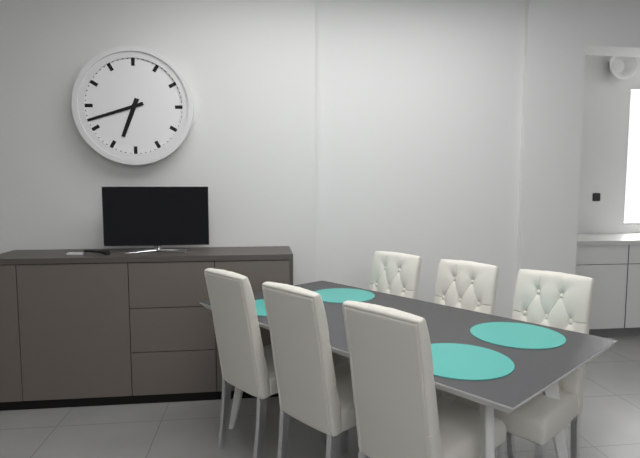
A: 6:42
